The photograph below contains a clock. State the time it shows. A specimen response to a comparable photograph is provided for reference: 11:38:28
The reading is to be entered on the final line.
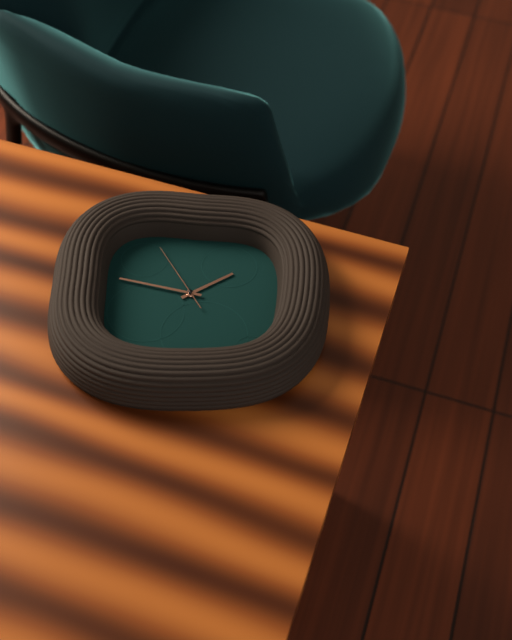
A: 1:47:55
